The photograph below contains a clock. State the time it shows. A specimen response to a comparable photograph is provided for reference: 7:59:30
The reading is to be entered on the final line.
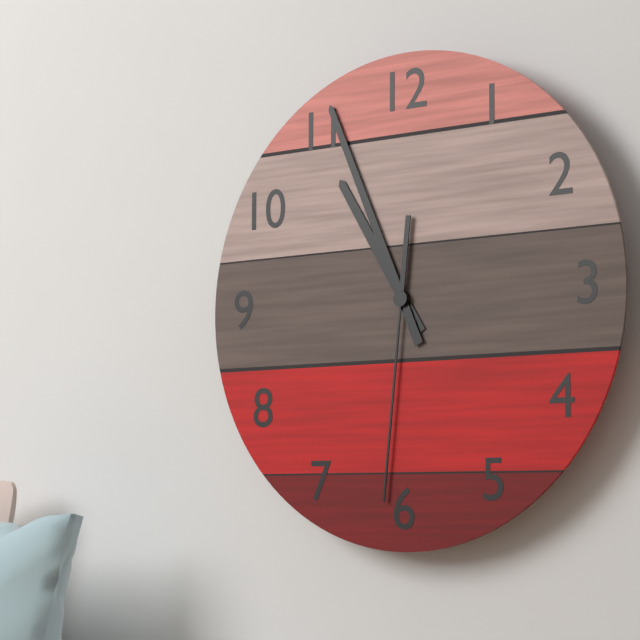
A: 10:56:31
